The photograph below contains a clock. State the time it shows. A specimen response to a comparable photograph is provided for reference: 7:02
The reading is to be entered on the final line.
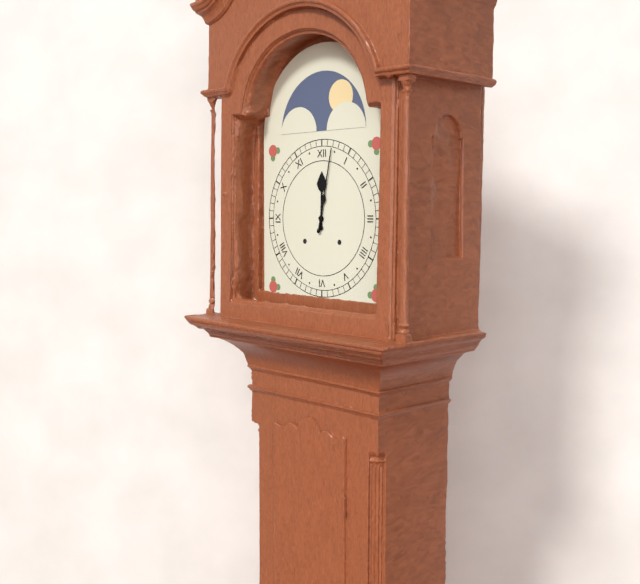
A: 12:02
